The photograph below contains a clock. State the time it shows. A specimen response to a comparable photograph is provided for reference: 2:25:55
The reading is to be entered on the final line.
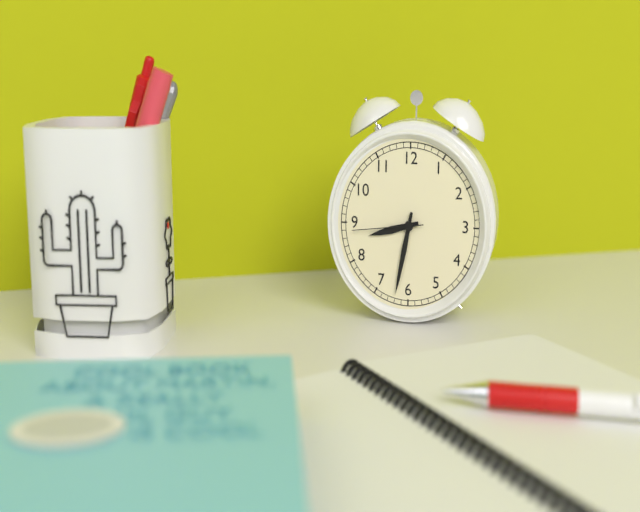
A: 8:32:44
